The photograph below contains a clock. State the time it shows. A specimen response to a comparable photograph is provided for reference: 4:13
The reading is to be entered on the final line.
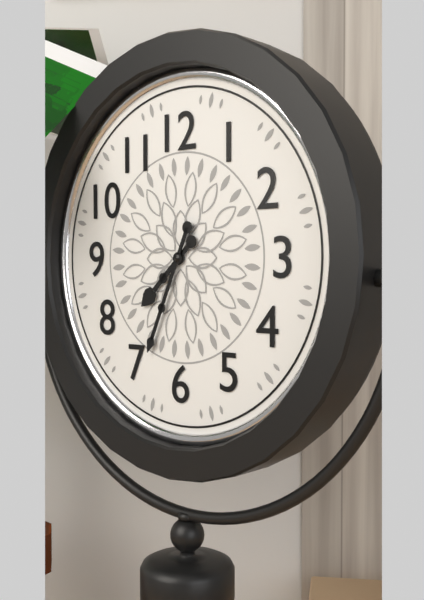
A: 7:34
